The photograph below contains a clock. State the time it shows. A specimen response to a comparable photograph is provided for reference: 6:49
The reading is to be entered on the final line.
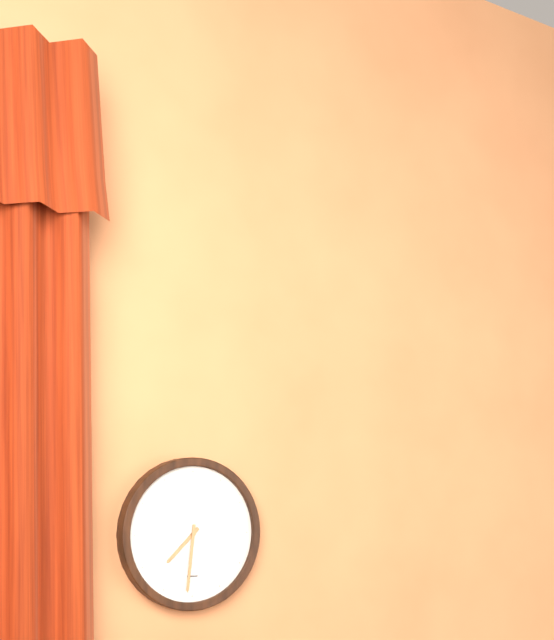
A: 7:31
